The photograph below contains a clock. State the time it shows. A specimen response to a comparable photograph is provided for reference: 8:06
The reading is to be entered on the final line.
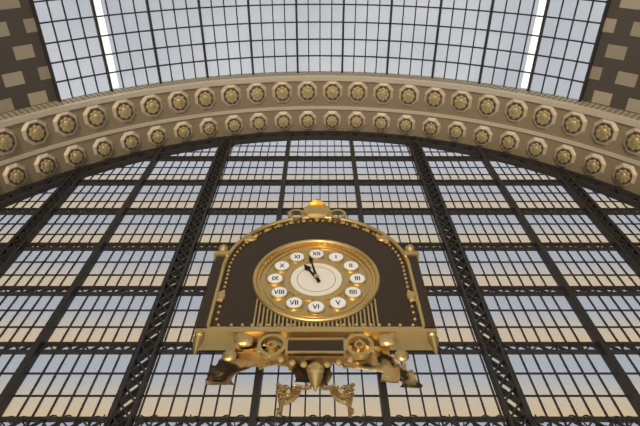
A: 10:58
